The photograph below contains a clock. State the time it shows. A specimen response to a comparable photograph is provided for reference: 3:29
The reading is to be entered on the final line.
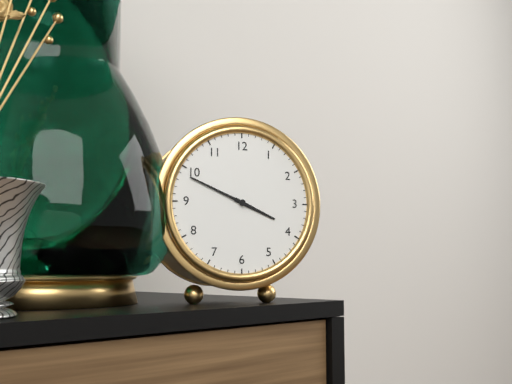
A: 3:49
